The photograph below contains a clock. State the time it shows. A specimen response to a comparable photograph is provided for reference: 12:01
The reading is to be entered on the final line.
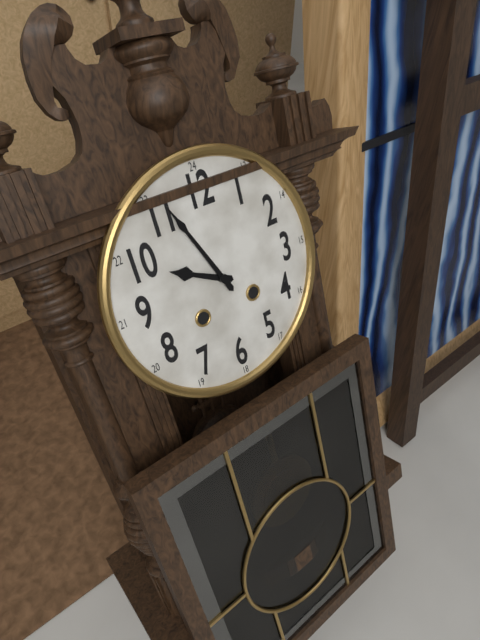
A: 9:56
